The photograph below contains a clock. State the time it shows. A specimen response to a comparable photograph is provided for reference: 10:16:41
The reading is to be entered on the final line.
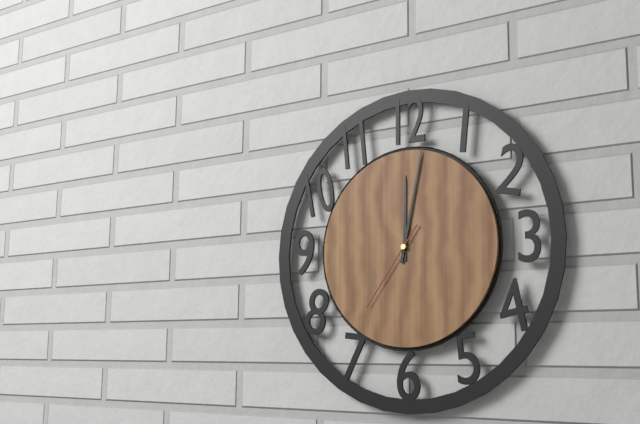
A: 12:02:36
